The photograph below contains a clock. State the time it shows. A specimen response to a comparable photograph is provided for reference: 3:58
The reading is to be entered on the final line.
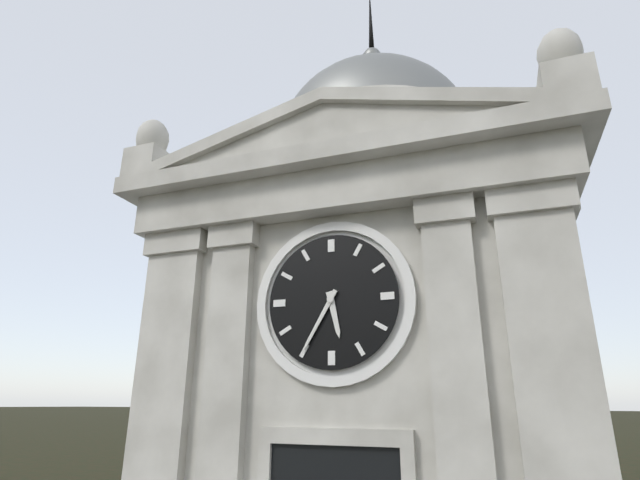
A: 5:35
